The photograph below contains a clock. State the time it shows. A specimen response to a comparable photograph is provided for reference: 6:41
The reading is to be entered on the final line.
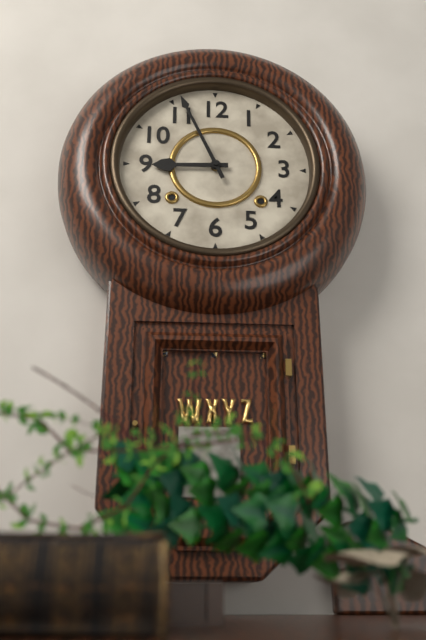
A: 8:56
